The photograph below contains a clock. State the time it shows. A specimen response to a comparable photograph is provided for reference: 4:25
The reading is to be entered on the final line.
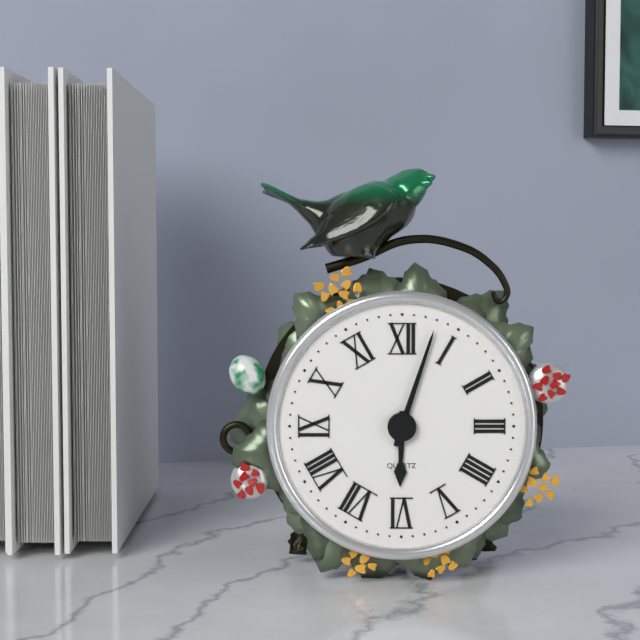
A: 6:03
